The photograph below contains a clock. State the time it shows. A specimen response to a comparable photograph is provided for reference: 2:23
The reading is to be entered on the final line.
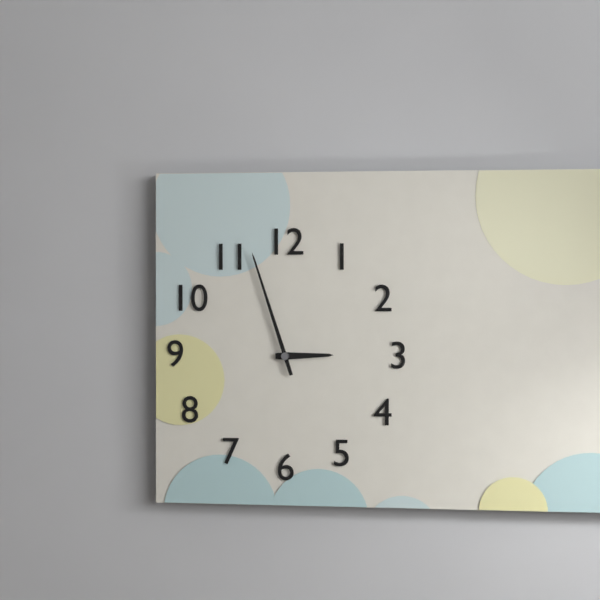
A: 2:57
